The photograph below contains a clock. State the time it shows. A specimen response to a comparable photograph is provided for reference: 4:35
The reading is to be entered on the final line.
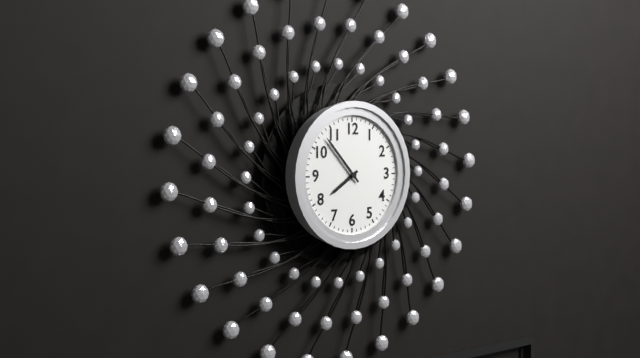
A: 7:53
